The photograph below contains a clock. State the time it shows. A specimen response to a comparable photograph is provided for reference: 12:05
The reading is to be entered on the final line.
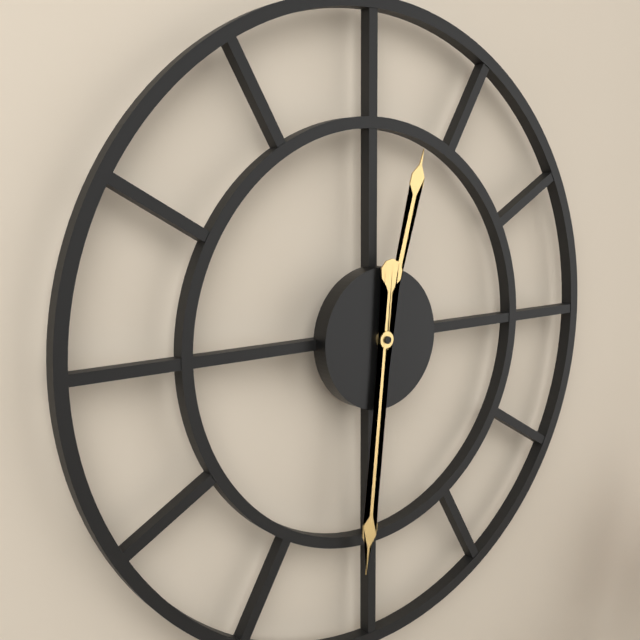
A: 12:31
